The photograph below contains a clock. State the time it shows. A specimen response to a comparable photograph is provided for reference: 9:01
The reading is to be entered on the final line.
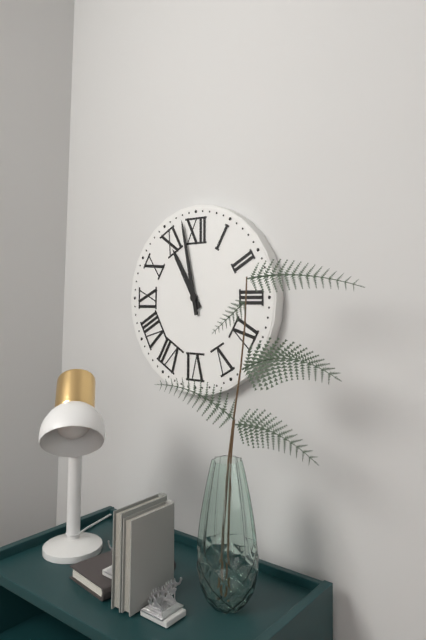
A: 10:58
